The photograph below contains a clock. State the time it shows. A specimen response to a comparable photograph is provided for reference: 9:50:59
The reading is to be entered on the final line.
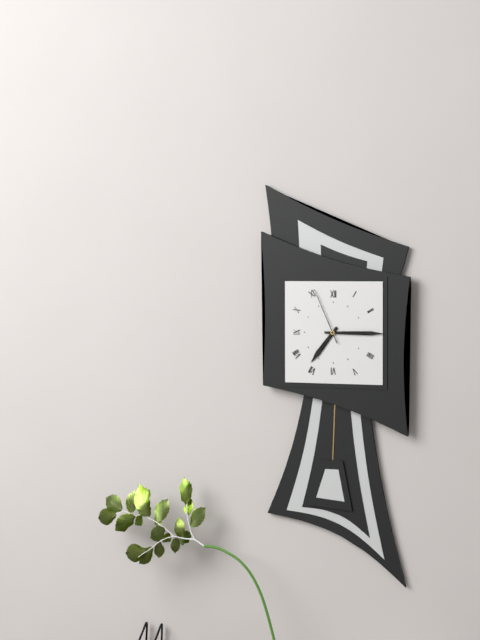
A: 7:15:56
